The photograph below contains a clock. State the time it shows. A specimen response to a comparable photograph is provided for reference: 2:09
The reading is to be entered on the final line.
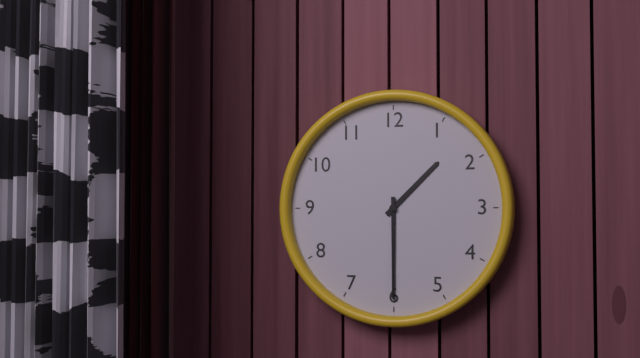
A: 1:30
